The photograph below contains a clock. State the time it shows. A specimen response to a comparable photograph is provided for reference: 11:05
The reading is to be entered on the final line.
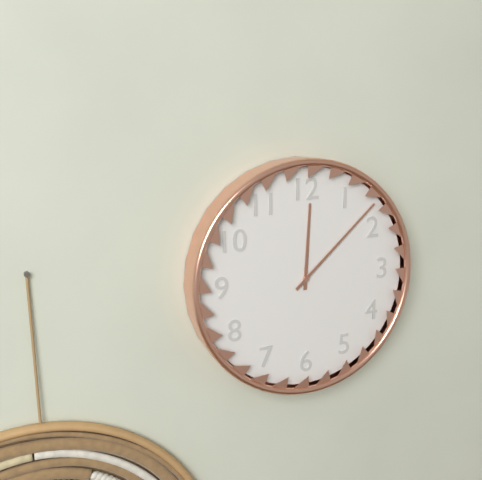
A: 12:08
